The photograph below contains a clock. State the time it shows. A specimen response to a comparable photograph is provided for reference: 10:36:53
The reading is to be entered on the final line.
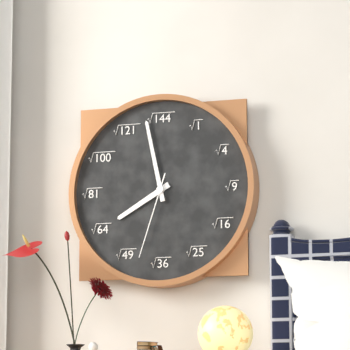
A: 7:58:33
